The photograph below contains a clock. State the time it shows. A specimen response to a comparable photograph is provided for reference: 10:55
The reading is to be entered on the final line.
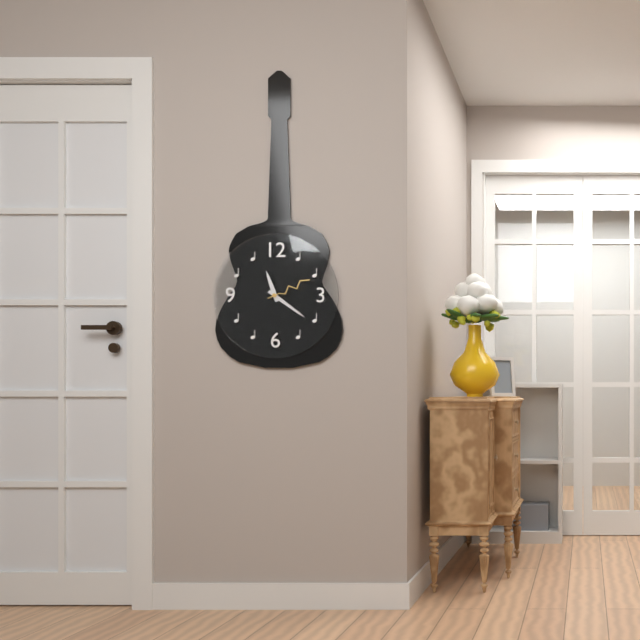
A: 11:21
